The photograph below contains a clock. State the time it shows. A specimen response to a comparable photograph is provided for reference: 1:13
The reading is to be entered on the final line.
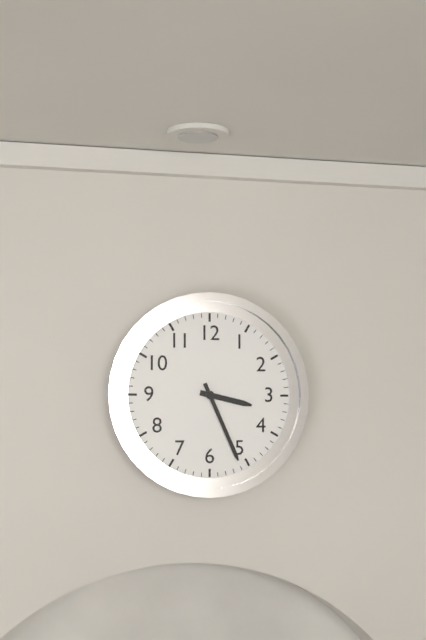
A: 3:26
